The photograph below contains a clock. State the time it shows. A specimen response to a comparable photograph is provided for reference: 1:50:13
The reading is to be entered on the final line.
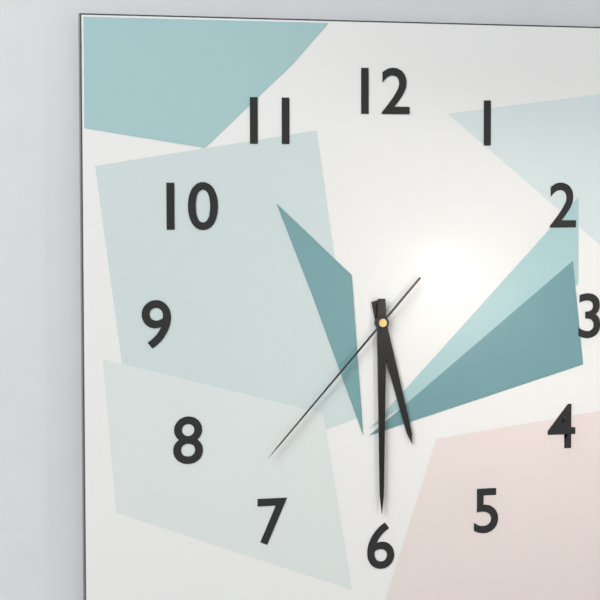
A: 5:30:37
